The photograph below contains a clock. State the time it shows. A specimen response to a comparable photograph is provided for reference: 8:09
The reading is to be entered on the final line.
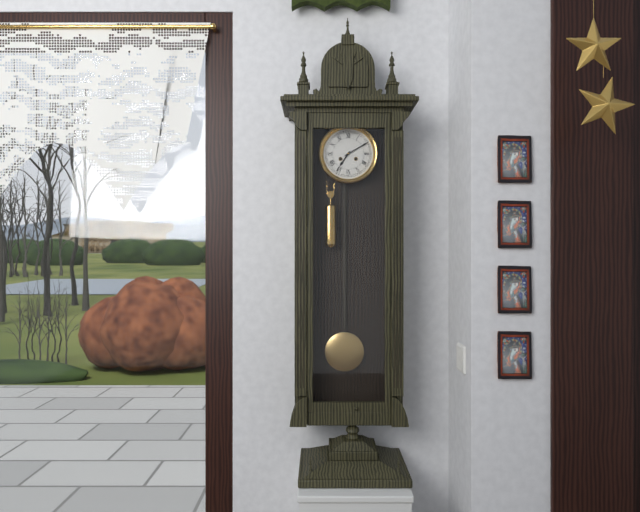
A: 7:10
